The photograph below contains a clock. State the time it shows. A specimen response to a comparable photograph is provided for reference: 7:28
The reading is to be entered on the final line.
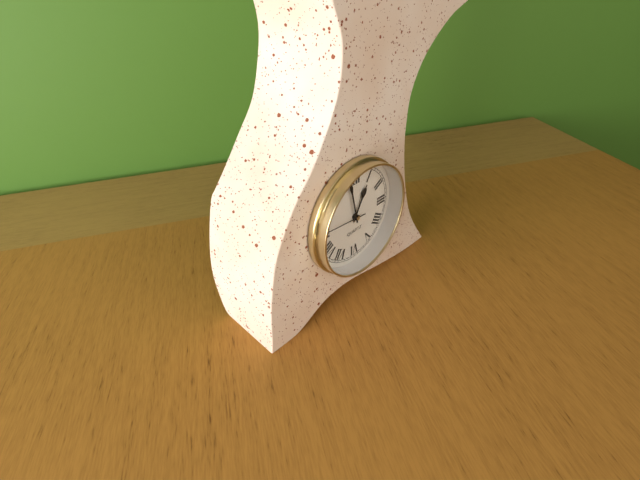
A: 12:58
